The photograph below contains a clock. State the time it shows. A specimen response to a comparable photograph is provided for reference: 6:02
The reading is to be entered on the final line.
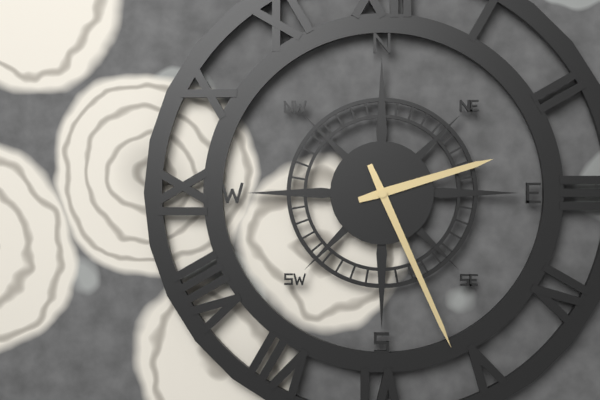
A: 2:26
